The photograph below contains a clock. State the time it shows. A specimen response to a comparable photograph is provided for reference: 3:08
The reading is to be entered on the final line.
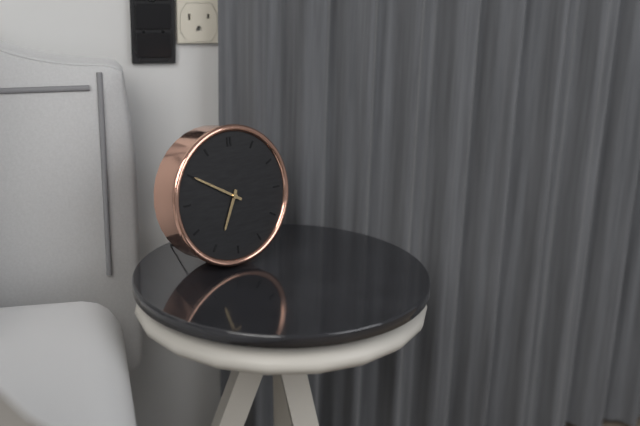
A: 6:50
